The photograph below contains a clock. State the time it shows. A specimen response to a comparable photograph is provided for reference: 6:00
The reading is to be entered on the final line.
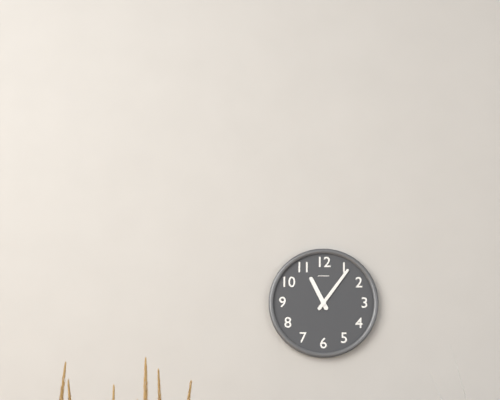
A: 11:06
